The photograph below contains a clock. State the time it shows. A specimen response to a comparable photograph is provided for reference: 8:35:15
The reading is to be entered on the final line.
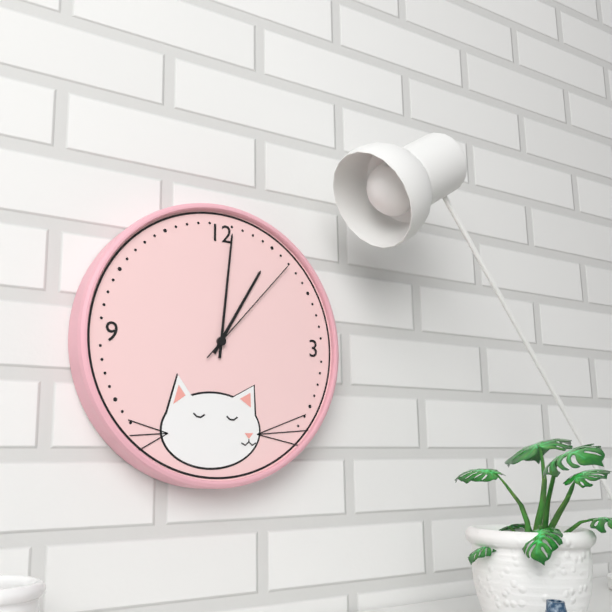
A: 1:01:07
